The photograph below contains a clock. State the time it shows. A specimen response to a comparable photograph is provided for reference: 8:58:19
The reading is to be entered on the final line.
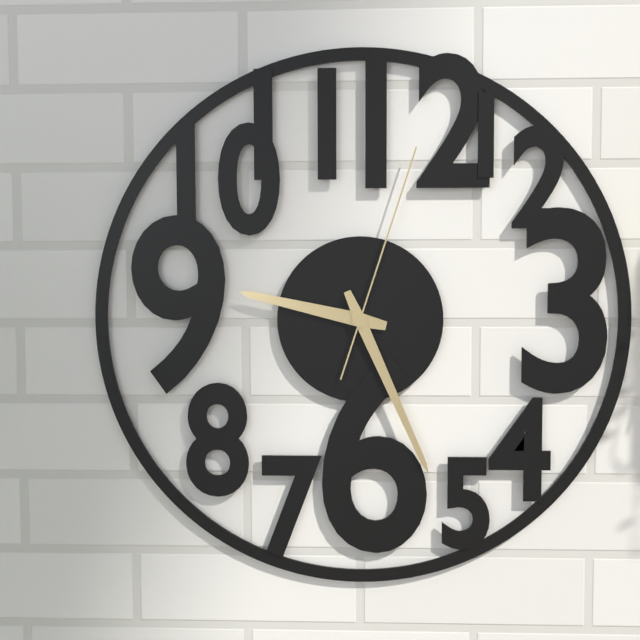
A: 9:26:03
